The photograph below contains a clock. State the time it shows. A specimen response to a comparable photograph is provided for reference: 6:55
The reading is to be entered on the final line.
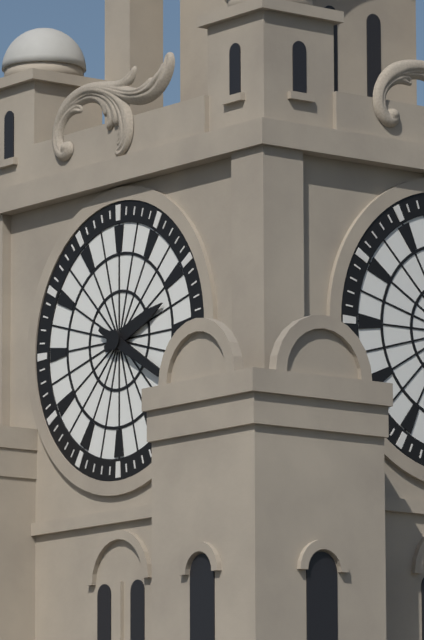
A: 2:20
